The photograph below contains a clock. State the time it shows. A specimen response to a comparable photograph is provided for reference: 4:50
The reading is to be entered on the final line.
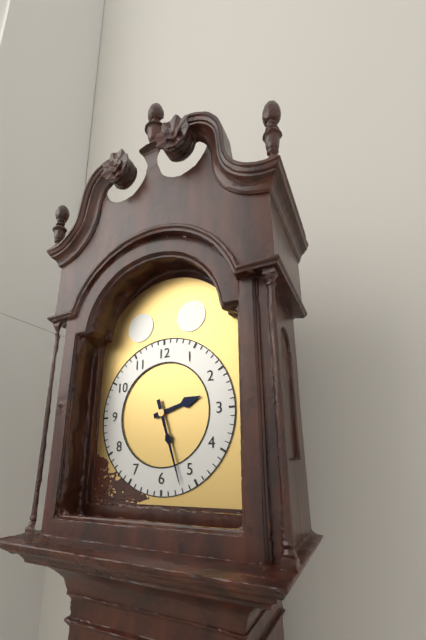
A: 2:27
